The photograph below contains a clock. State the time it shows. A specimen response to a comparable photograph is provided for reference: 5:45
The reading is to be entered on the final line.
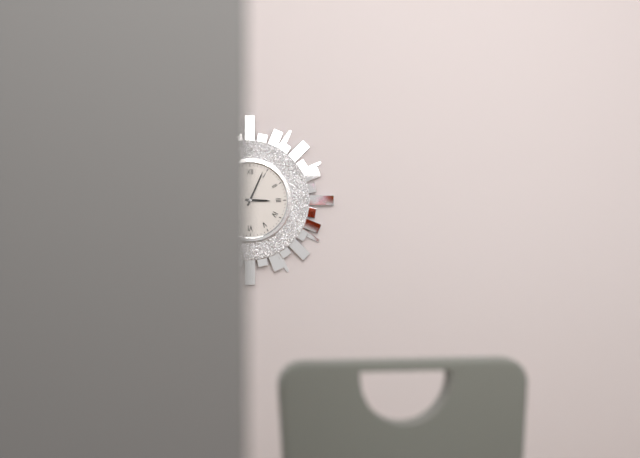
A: 3:04
